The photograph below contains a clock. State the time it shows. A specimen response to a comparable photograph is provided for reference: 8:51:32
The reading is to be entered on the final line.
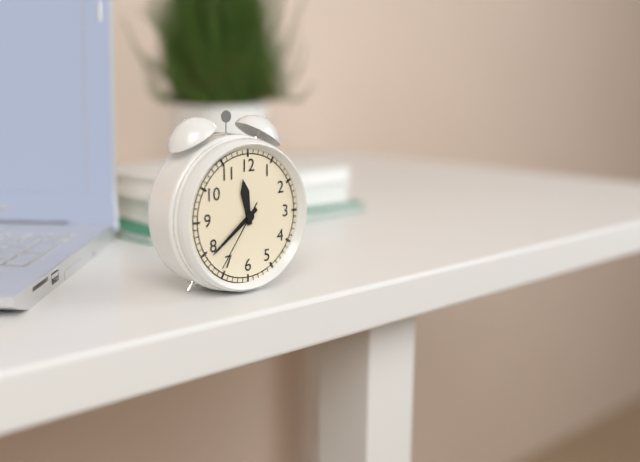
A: 11:39:36
